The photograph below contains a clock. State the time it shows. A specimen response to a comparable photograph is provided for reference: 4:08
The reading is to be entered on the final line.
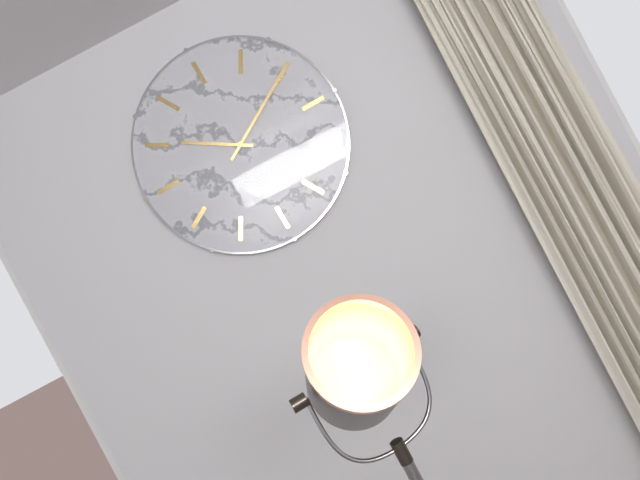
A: 9:05
